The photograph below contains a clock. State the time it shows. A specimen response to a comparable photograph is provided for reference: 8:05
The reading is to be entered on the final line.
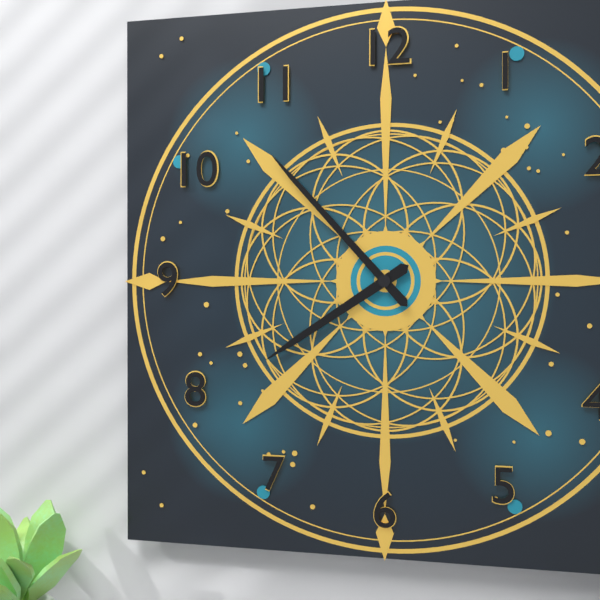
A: 7:53
